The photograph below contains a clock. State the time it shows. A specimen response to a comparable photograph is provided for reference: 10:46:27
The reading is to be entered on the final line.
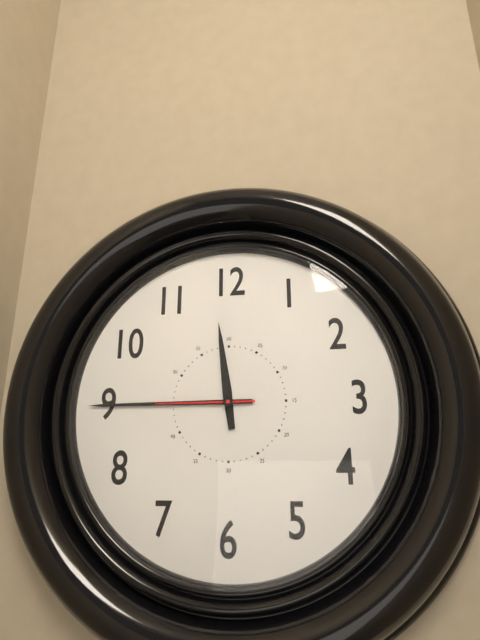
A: 11:45:45
